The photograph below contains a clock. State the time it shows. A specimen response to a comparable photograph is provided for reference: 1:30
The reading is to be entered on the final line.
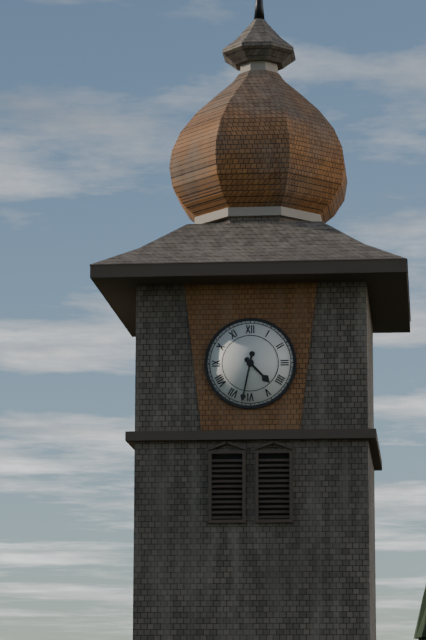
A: 4:32
